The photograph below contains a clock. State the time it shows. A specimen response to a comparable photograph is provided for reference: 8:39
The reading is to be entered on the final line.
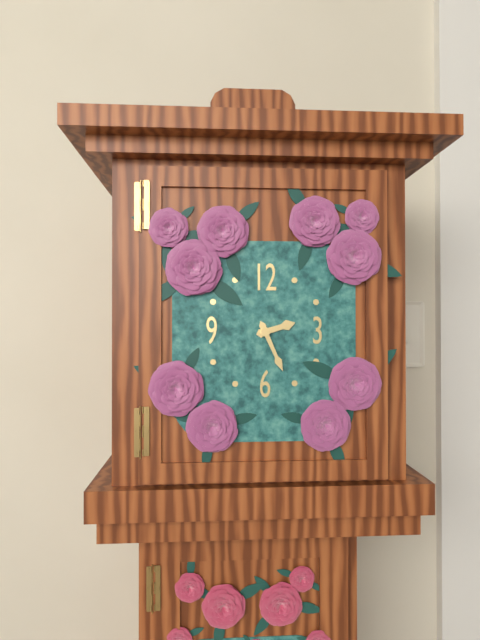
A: 2:26
